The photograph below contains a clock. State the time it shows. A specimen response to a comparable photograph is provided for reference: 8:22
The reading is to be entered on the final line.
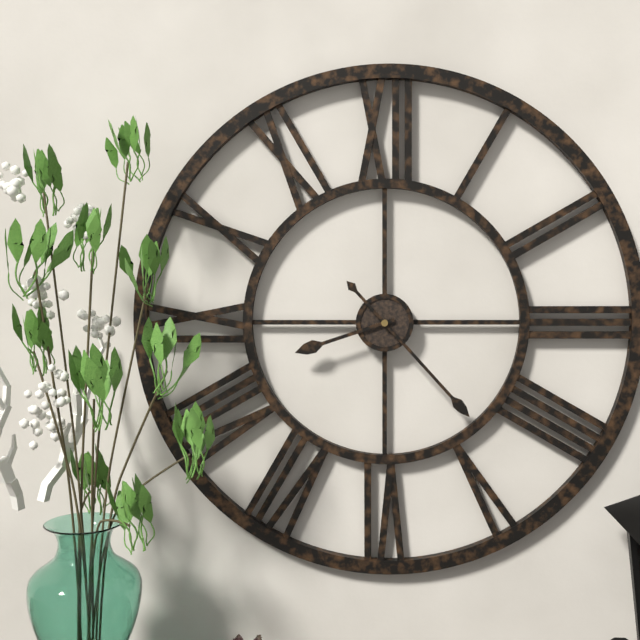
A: 8:23
